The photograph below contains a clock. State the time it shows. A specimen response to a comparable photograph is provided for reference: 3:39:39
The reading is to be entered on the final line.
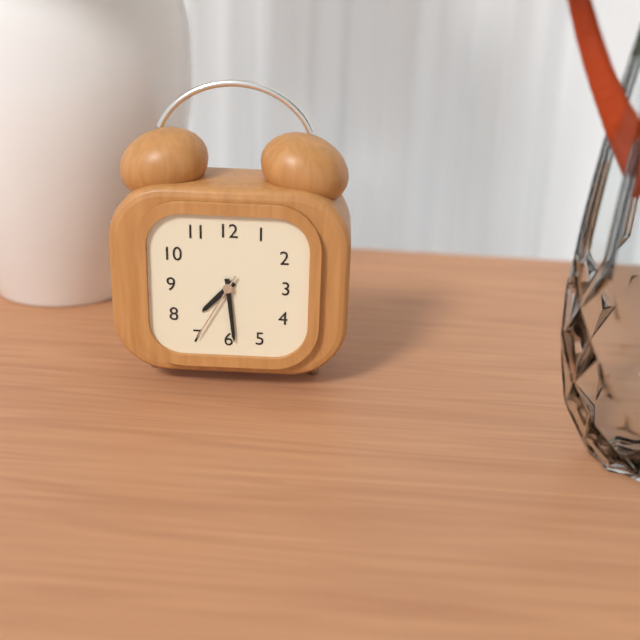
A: 7:29:35
